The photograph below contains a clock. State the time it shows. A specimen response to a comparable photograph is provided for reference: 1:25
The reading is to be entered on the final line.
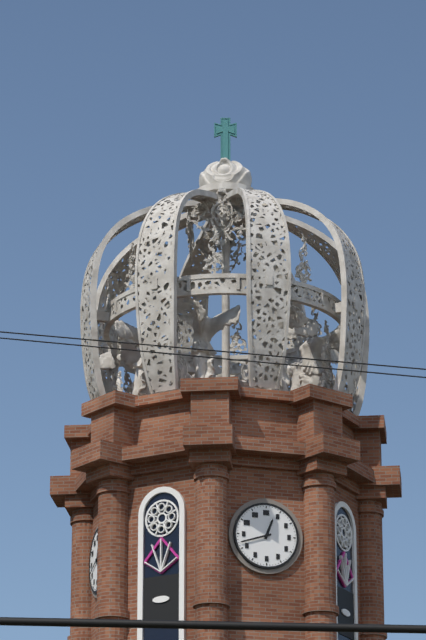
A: 12:42
